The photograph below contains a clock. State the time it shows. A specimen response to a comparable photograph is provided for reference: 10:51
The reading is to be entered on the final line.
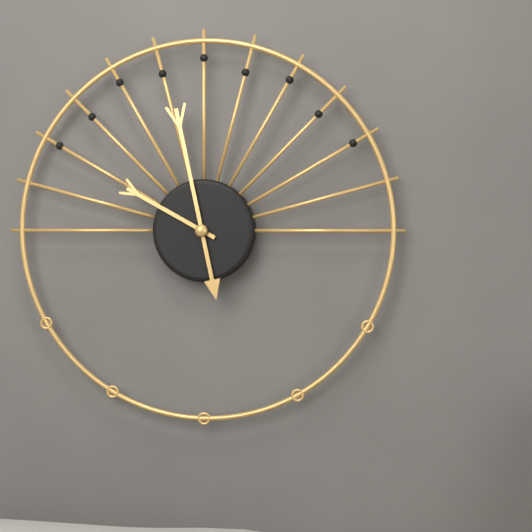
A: 9:58
